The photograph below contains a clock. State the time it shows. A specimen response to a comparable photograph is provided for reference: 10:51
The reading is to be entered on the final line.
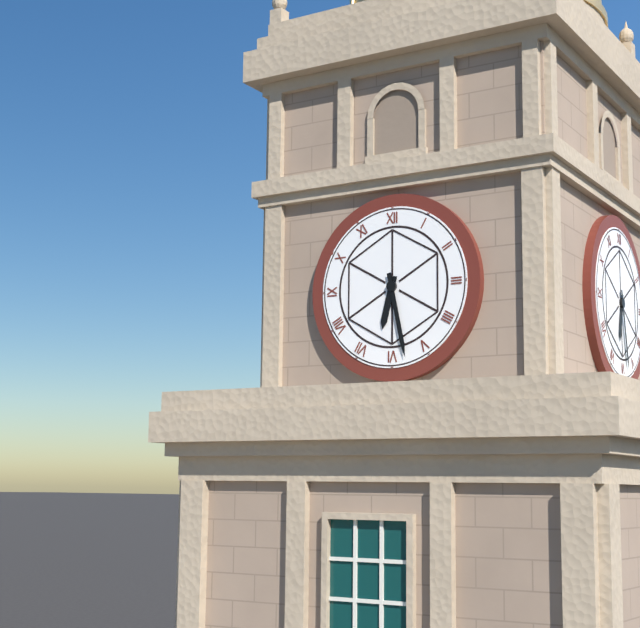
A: 6:28
